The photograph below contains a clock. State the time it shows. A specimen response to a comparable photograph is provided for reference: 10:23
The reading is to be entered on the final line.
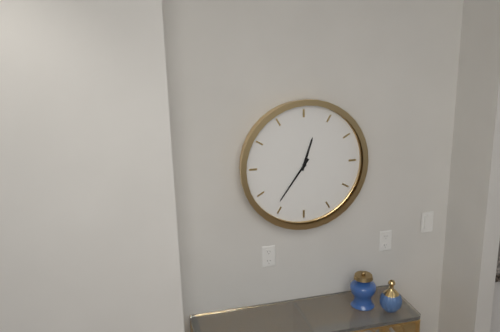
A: 12:36
